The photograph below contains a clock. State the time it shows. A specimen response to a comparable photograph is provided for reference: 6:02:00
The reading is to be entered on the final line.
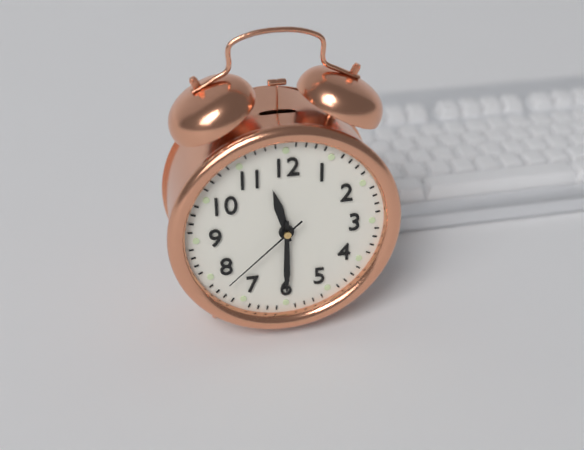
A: 11:30:38
